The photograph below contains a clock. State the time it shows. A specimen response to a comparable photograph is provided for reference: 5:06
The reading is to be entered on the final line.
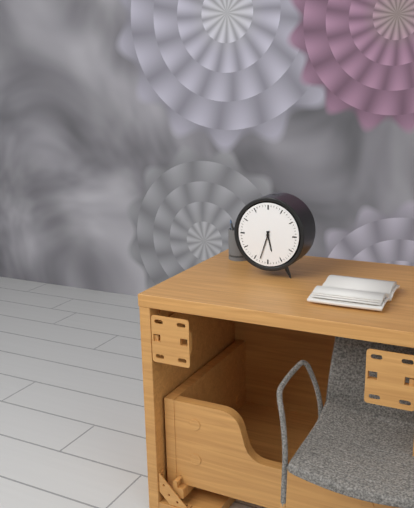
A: 5:33
